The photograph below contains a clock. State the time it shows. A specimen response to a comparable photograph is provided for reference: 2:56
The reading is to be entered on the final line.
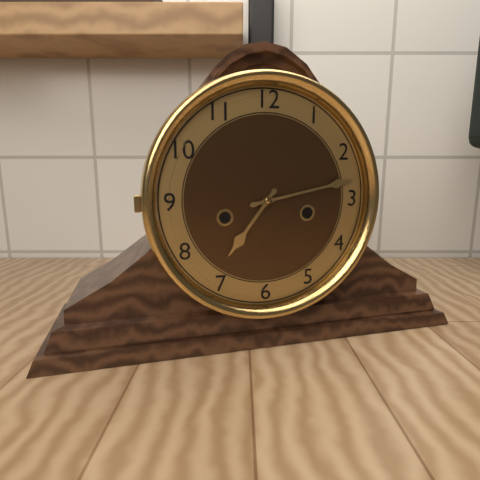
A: 7:13
